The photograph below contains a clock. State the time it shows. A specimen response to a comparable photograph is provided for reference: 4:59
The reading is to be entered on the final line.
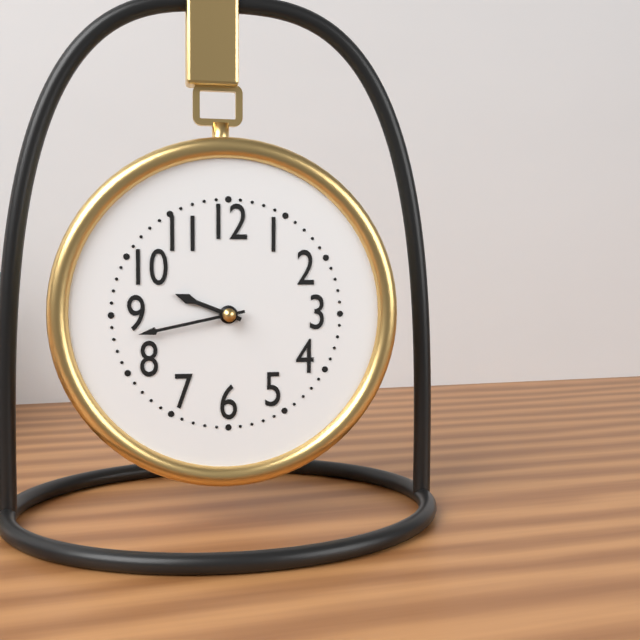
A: 9:43
